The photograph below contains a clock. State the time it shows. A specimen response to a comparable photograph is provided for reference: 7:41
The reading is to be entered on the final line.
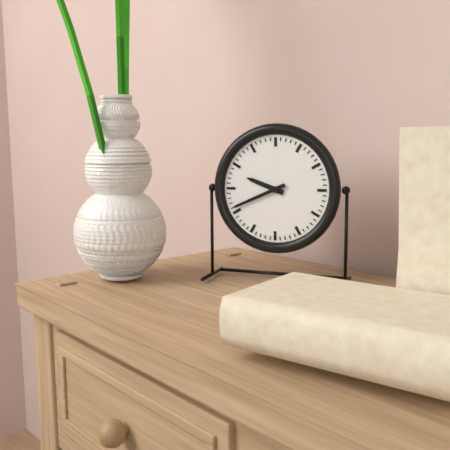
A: 9:41
